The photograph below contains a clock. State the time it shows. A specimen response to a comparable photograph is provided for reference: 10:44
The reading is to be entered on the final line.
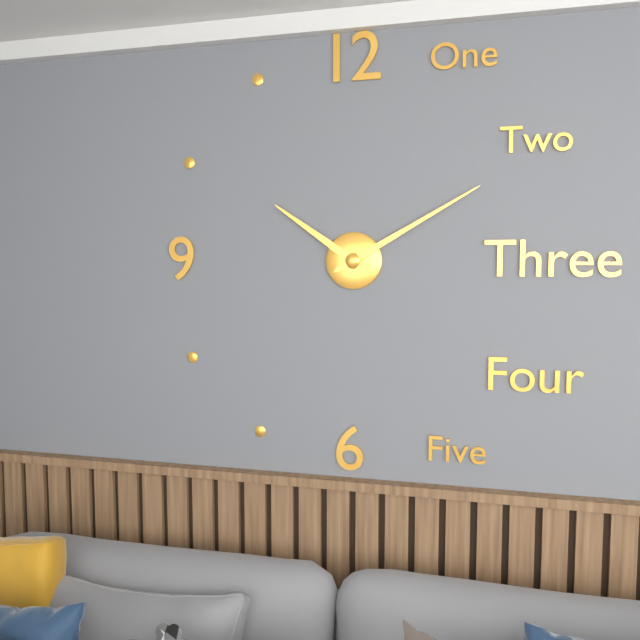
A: 10:10
